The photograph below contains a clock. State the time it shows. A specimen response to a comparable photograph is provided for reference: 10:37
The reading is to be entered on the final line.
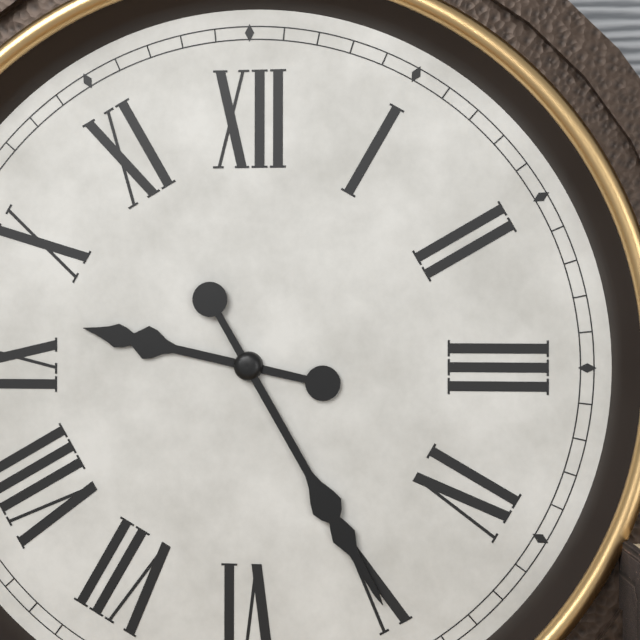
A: 9:25
